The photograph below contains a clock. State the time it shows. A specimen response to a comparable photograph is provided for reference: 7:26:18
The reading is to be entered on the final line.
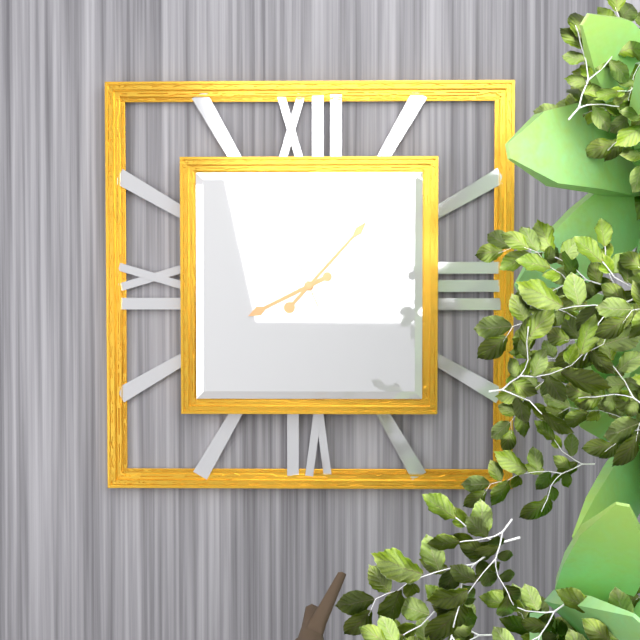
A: 8:07:56
